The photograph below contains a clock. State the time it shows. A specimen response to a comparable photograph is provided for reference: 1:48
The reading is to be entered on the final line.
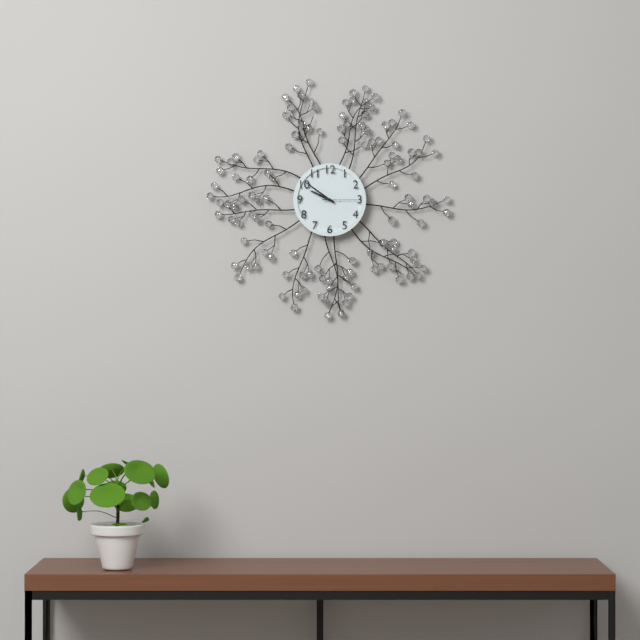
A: 9:51
